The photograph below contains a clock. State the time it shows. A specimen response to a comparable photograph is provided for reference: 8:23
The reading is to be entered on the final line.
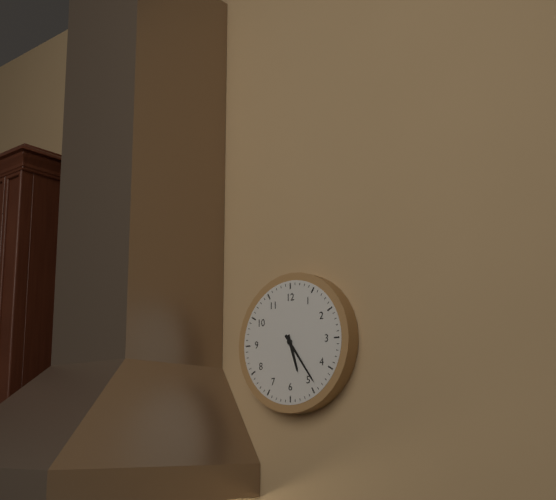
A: 5:24
